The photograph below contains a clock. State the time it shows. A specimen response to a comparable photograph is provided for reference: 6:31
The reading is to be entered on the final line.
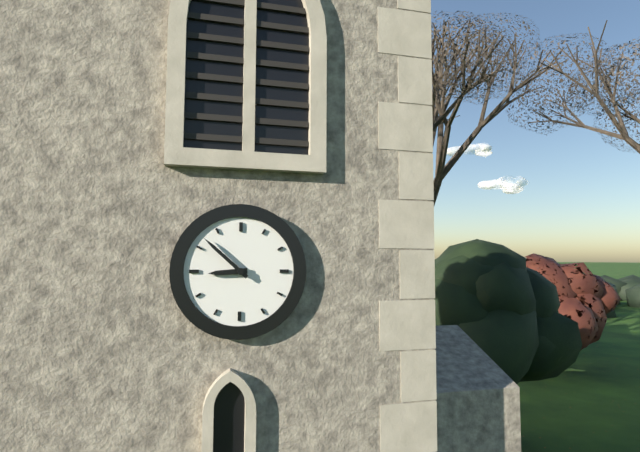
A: 8:52
